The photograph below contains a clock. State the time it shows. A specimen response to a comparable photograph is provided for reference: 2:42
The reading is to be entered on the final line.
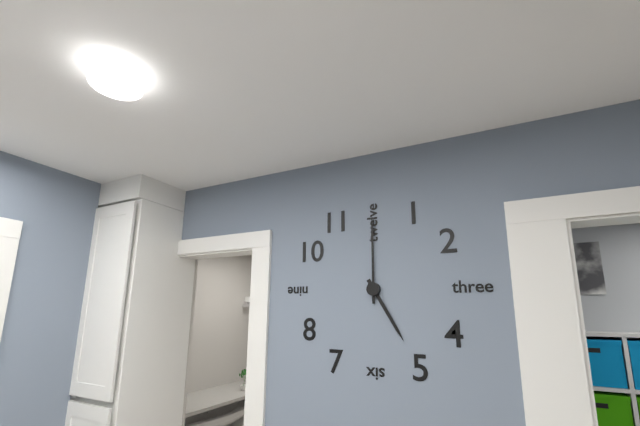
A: 5:00
